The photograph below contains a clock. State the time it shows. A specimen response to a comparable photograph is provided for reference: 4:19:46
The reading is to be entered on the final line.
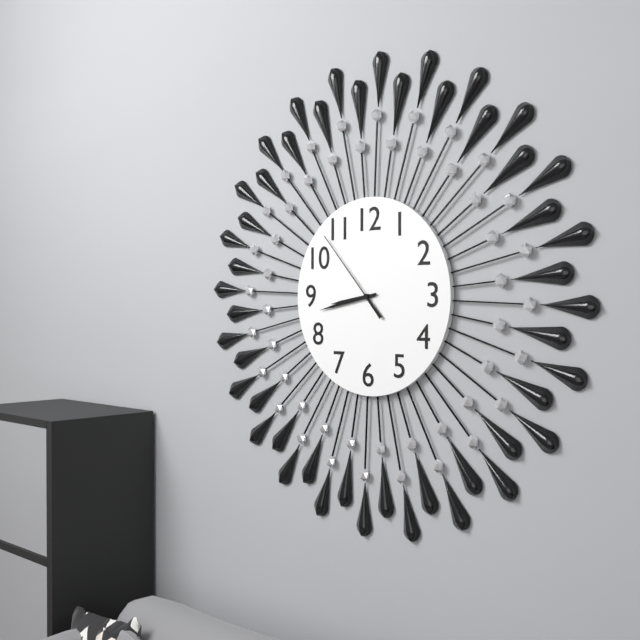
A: 8:43:53
